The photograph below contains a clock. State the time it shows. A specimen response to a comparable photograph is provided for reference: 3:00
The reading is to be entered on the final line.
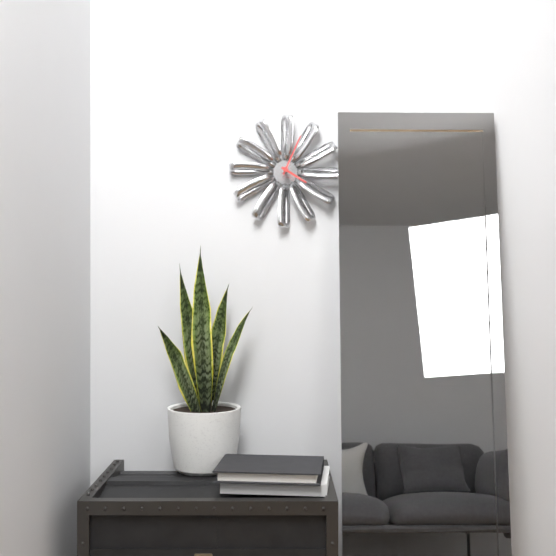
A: 4:04
